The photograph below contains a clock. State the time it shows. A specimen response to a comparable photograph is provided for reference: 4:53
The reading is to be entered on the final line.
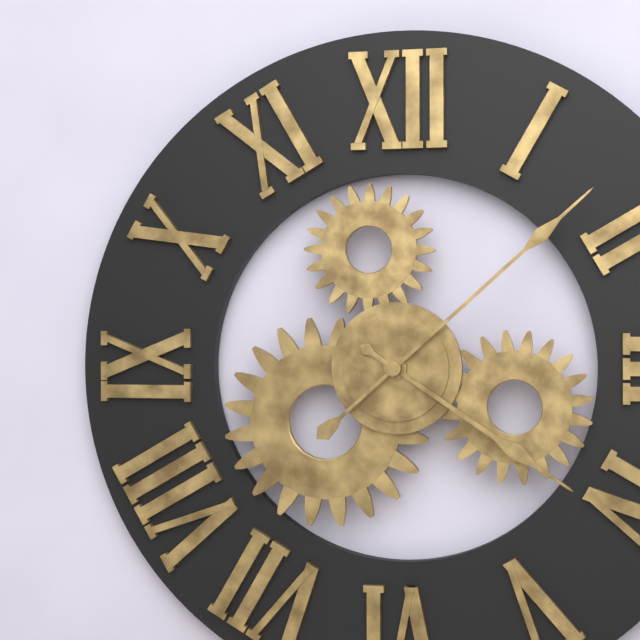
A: 4:08
